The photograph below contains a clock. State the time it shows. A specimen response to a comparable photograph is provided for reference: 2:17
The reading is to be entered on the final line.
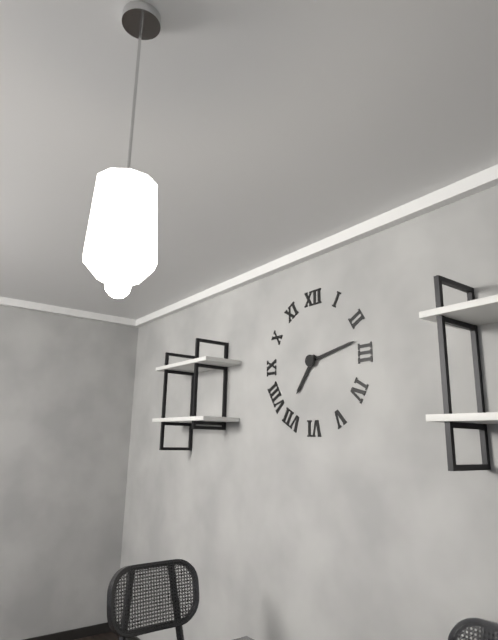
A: 7:13
